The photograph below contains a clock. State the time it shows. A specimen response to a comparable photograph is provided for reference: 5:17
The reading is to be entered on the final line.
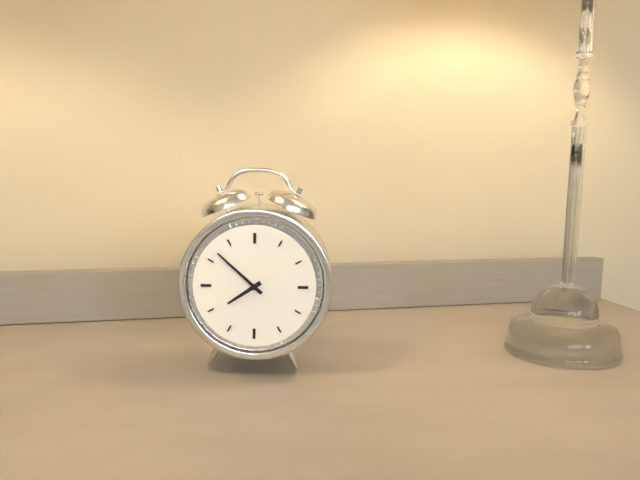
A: 7:52
